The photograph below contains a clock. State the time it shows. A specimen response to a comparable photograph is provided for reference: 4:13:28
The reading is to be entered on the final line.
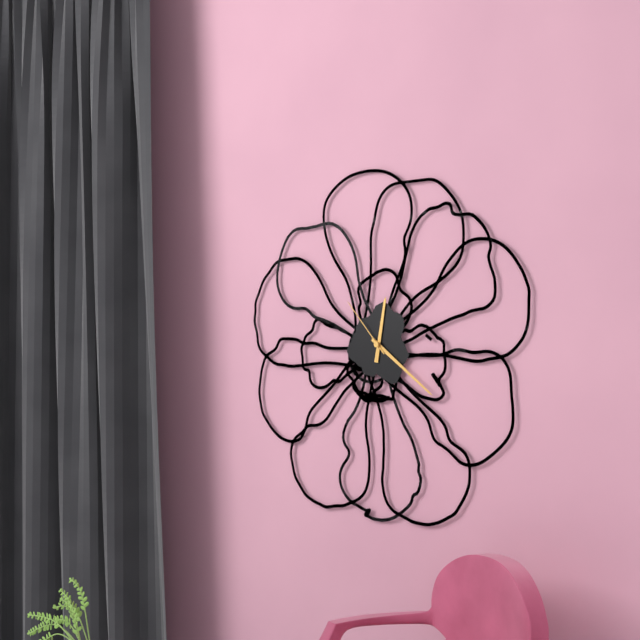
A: 12:21:53
